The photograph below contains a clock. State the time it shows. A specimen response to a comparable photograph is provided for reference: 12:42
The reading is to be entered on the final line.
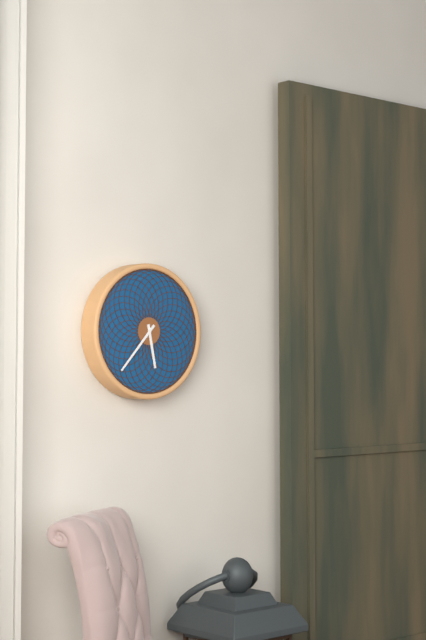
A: 5:37
